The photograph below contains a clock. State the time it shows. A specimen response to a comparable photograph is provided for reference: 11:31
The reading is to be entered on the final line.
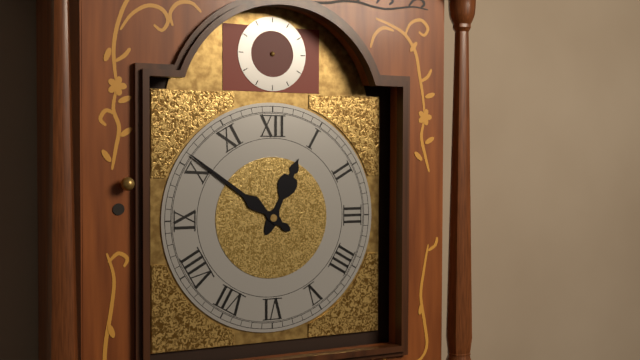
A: 12:51
